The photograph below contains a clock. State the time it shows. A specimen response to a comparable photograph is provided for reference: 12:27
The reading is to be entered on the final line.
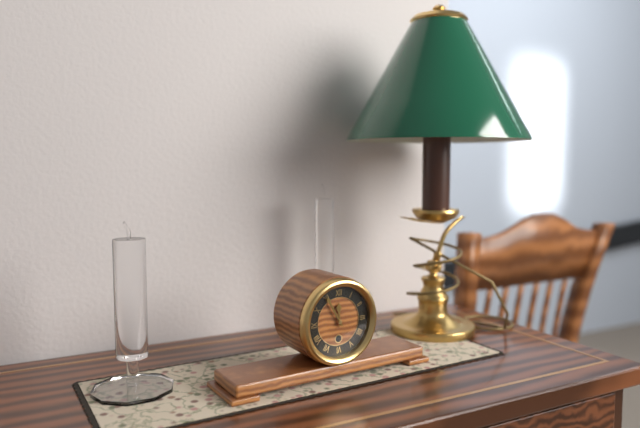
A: 11:55
